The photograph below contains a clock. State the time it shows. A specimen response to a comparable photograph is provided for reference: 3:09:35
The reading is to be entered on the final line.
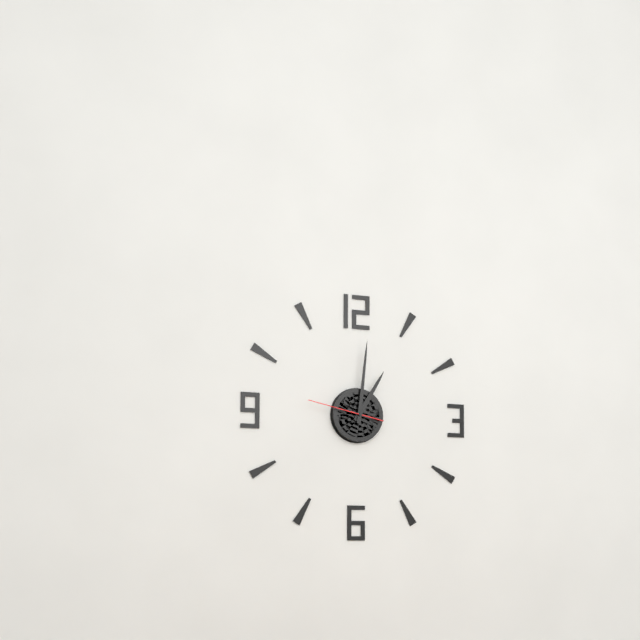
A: 1:01:47
